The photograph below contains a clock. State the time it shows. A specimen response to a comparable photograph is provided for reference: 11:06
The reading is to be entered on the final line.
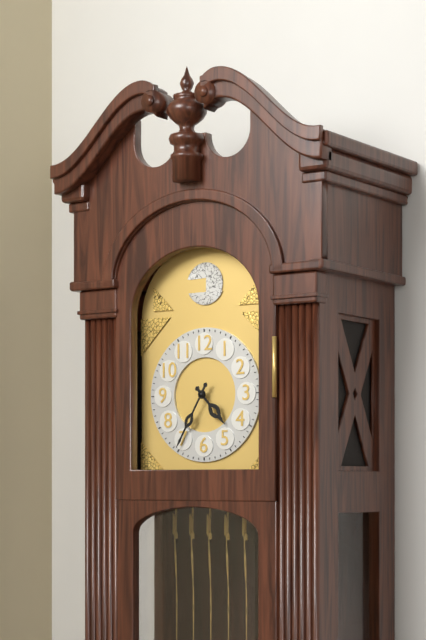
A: 4:35
